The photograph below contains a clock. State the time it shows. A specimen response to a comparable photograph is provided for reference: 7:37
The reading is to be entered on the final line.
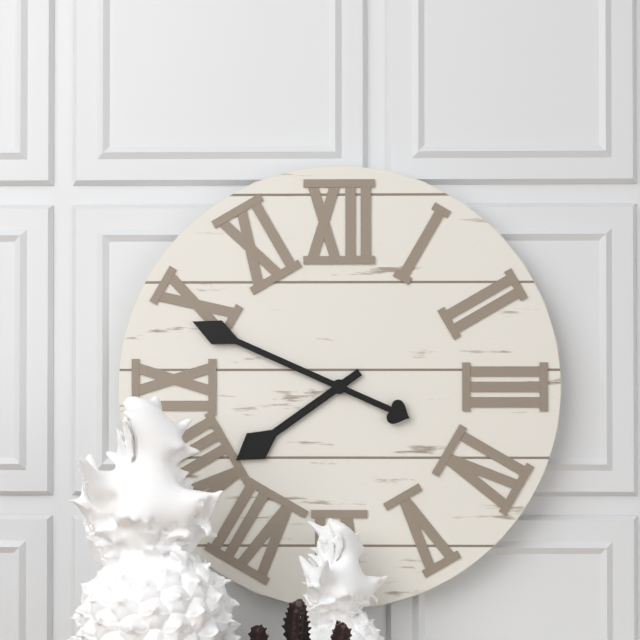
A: 7:49
